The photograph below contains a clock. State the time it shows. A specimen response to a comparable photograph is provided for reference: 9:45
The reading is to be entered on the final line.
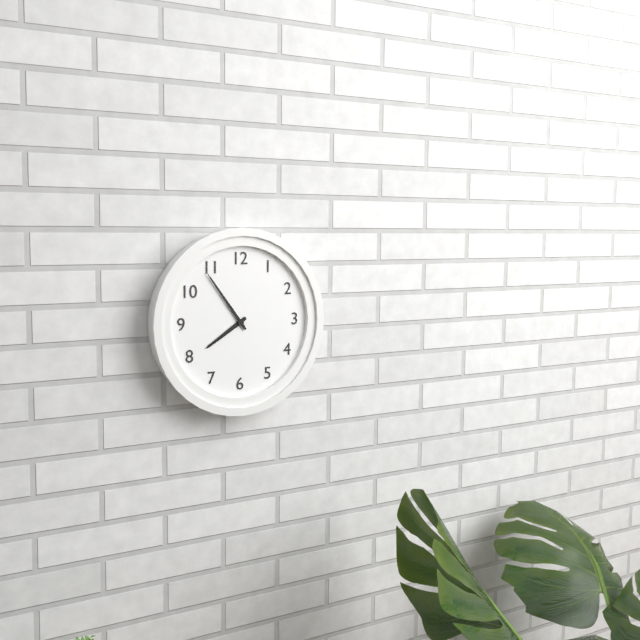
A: 7:54
